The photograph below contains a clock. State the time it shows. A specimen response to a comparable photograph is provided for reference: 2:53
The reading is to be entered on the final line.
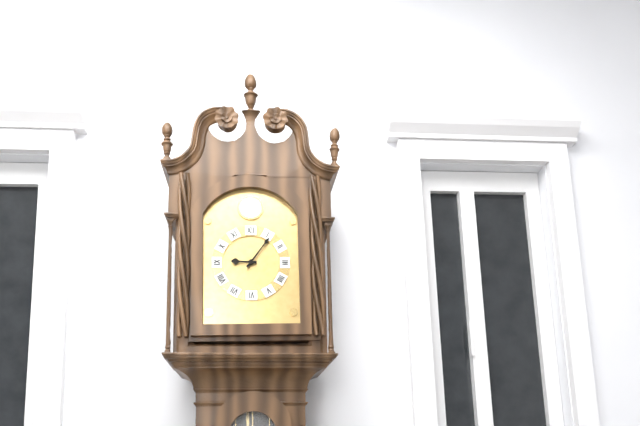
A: 9:06
